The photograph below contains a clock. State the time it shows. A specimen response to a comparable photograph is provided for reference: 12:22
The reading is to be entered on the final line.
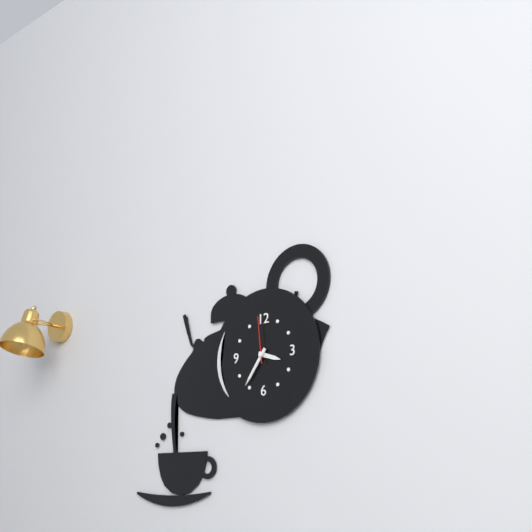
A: 3:36
